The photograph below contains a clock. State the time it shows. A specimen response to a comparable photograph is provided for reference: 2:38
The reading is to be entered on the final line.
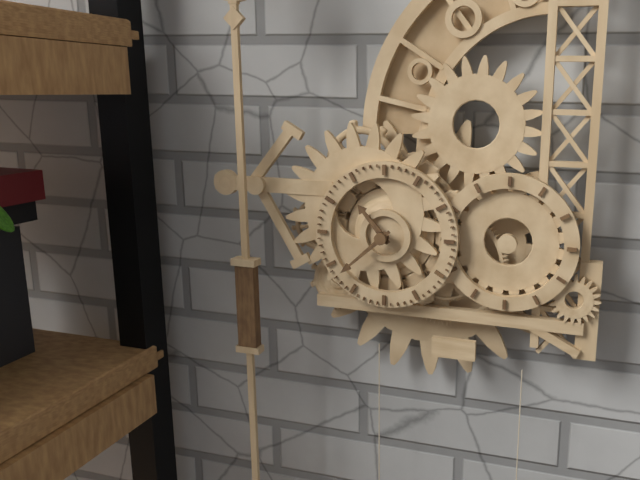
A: 10:38
